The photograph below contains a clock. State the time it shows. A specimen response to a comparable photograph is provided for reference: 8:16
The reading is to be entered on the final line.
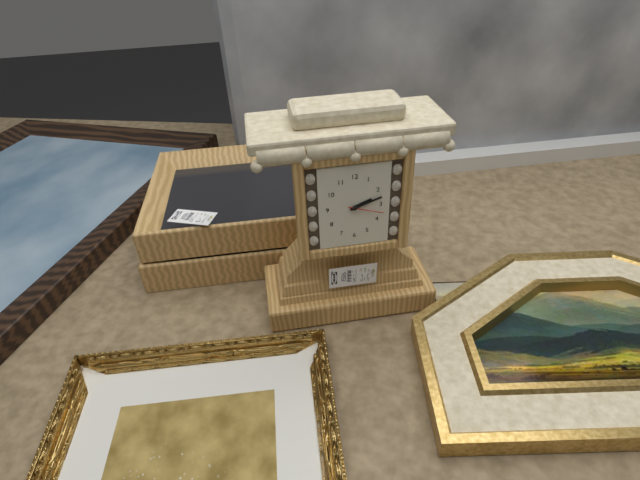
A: 2:12
